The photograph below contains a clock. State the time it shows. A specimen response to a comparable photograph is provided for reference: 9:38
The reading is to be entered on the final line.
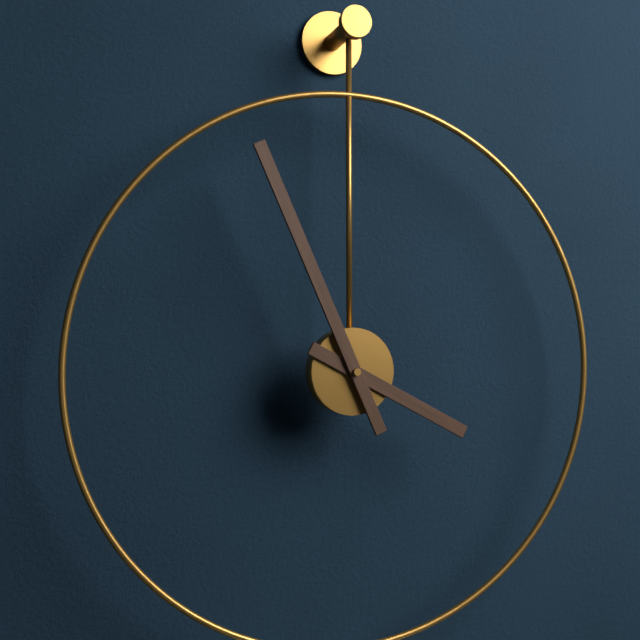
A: 3:56
